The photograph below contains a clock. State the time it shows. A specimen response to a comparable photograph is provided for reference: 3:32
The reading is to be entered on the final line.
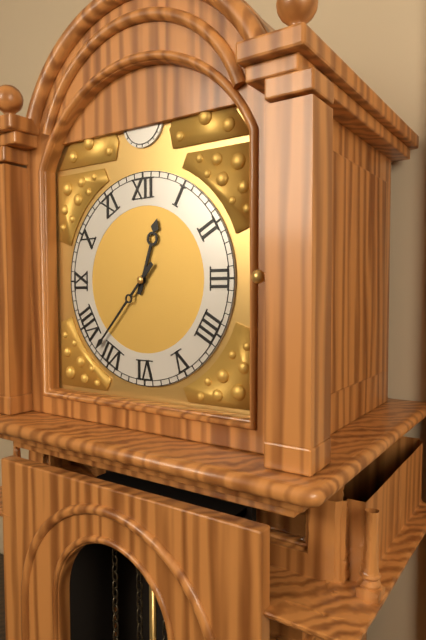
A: 12:37
